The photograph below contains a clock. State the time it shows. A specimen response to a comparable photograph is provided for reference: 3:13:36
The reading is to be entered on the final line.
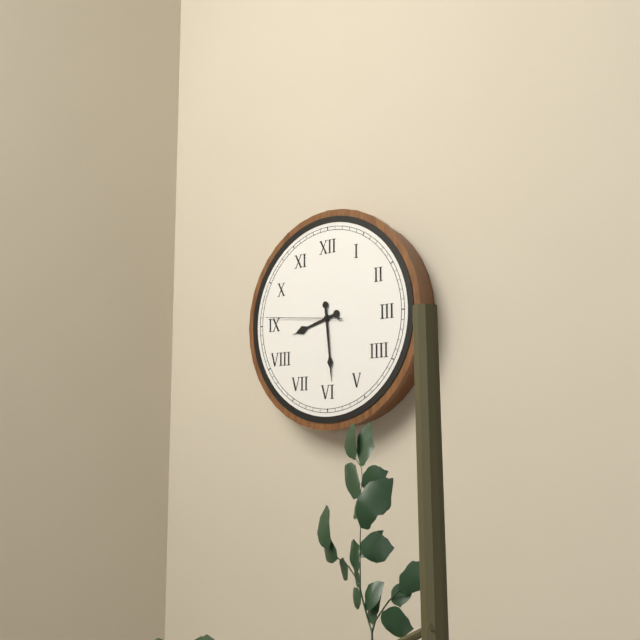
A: 8:29:46
